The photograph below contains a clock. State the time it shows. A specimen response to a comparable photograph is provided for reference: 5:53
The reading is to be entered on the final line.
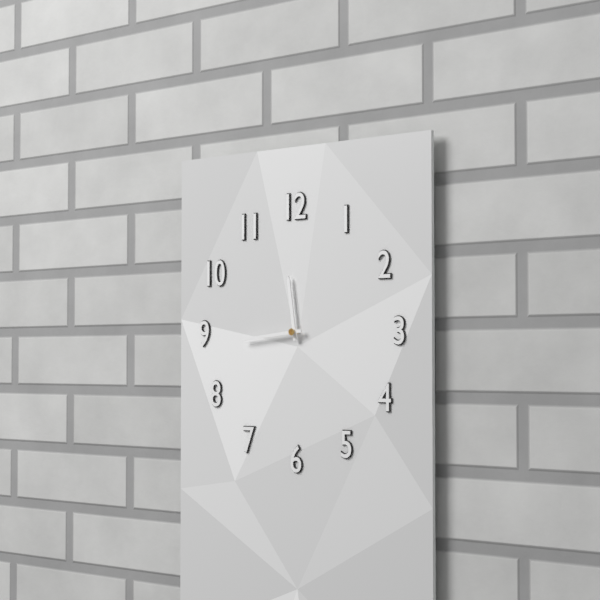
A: 11:44
